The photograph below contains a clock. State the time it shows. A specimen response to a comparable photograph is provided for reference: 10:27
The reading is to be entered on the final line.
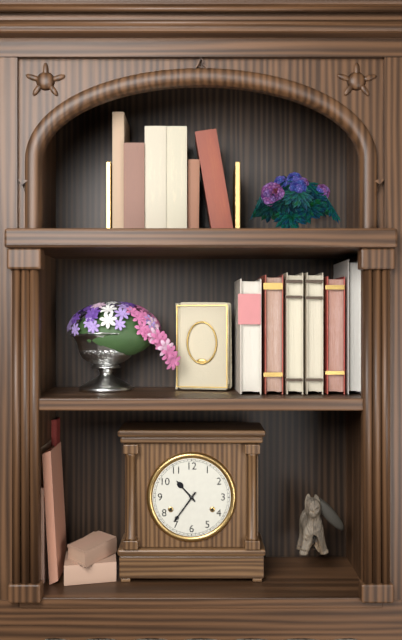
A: 10:36
